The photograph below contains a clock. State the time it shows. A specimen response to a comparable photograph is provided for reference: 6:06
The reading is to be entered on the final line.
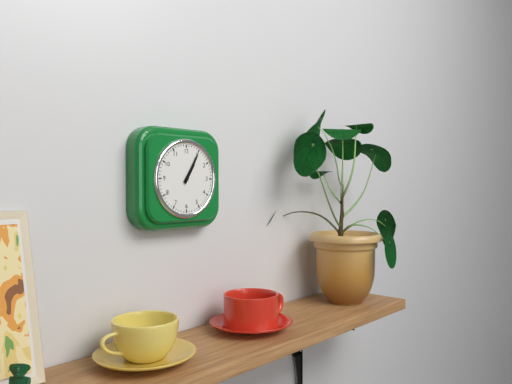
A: 1:05
